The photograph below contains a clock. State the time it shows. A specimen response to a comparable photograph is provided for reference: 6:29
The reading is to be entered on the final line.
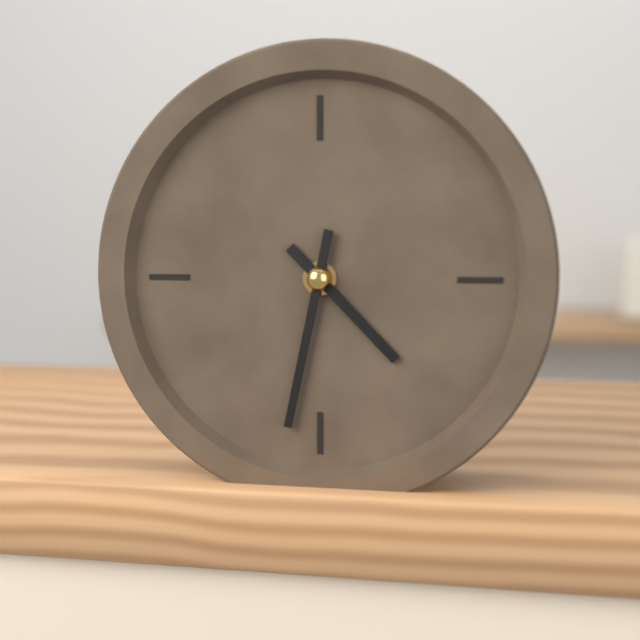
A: 4:32
